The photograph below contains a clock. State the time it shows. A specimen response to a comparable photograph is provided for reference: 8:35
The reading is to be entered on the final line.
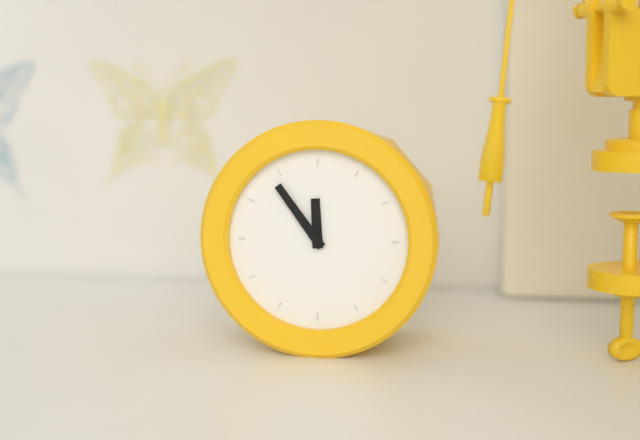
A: 11:54
